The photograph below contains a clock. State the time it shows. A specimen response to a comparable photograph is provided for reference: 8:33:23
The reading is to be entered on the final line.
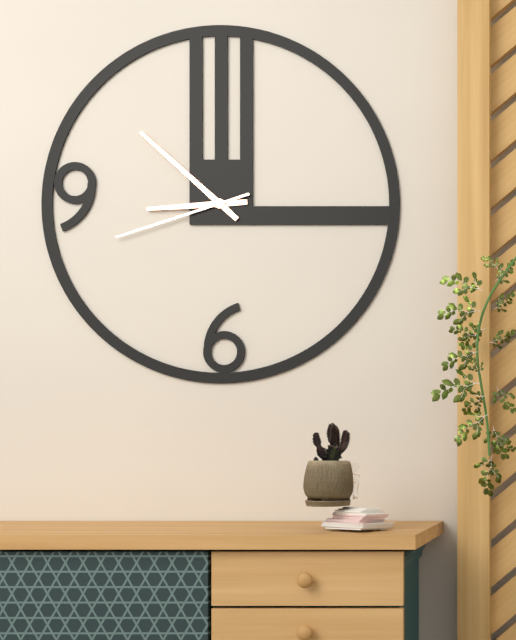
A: 8:52:42
